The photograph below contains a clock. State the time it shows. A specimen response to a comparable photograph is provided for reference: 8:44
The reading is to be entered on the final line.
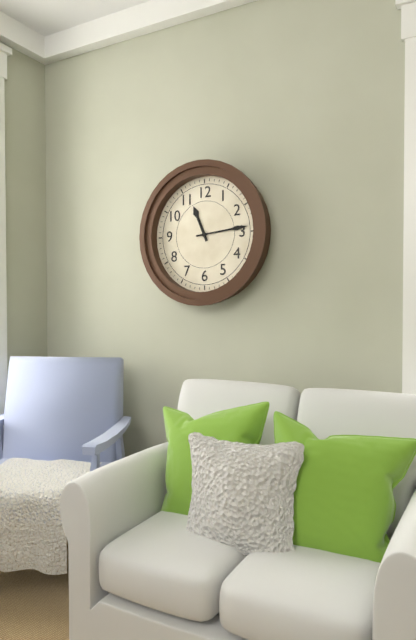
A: 11:14
